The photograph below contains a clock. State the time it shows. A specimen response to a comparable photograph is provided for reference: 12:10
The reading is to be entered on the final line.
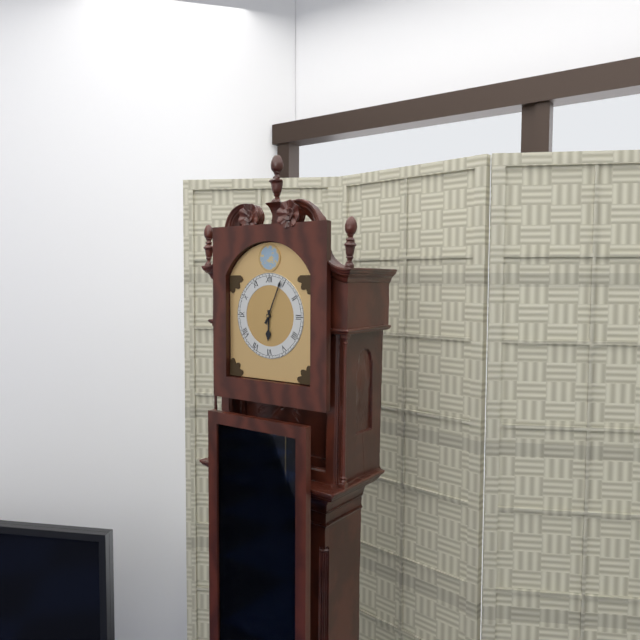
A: 6:04
